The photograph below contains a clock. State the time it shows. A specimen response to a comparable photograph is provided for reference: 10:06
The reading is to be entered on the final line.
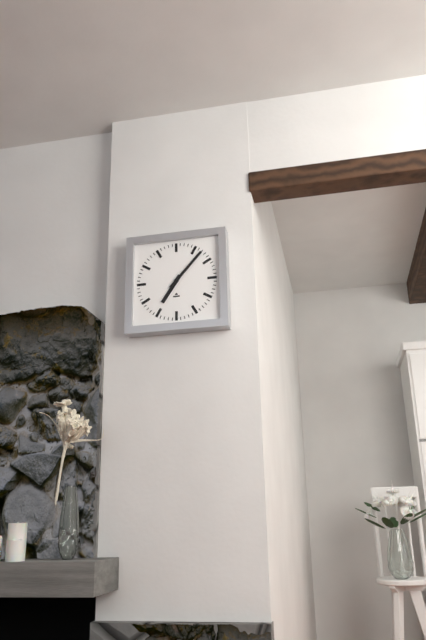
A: 7:07
